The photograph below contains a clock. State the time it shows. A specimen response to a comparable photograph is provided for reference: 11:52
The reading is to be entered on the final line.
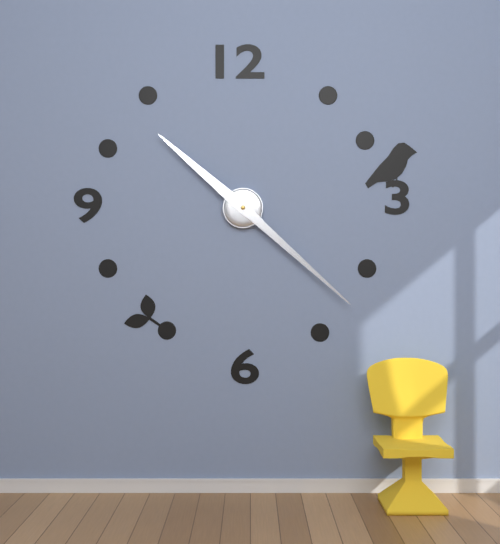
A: 10:22
